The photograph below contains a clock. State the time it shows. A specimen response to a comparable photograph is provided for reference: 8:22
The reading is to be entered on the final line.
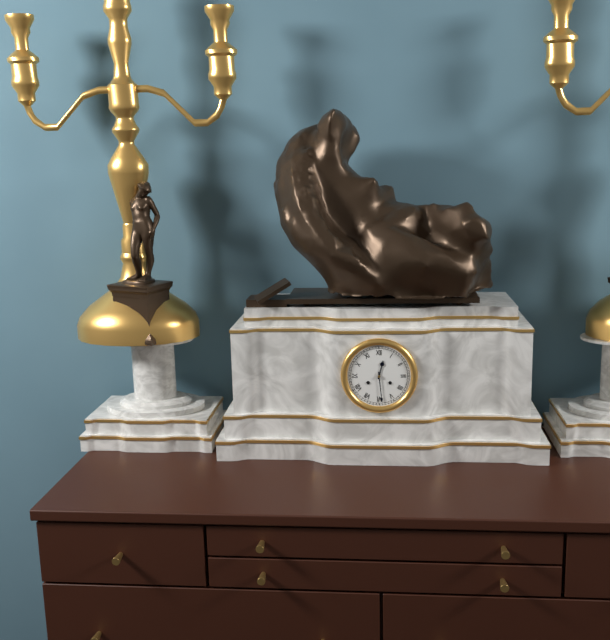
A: 12:29
